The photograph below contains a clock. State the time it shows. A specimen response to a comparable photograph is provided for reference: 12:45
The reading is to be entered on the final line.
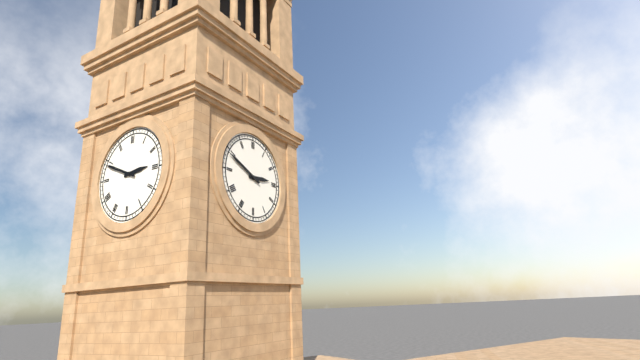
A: 2:49
